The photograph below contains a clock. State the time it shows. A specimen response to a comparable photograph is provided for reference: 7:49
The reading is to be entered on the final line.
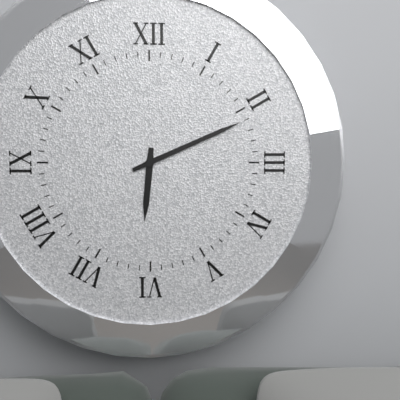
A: 6:11
